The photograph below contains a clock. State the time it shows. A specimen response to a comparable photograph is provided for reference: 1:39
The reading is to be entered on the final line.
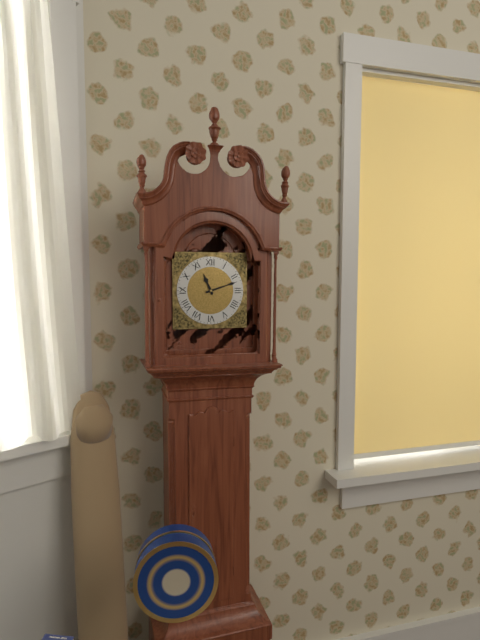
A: 11:12
